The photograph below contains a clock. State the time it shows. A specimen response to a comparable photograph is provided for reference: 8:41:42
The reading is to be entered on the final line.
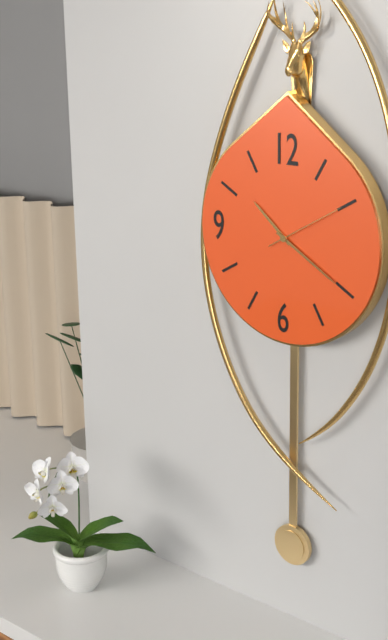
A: 10:20:10
